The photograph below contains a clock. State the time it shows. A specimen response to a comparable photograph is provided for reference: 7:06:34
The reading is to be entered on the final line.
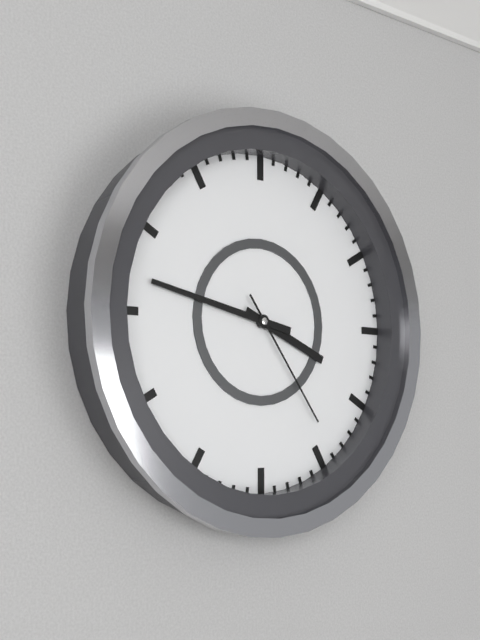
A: 3:47:24
